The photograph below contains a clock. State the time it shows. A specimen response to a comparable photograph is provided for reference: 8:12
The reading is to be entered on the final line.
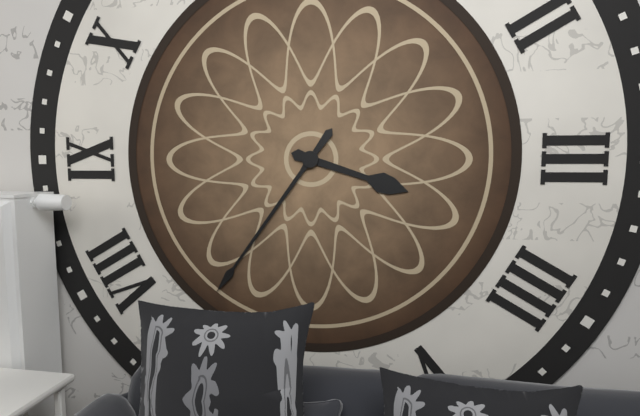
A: 3:36
